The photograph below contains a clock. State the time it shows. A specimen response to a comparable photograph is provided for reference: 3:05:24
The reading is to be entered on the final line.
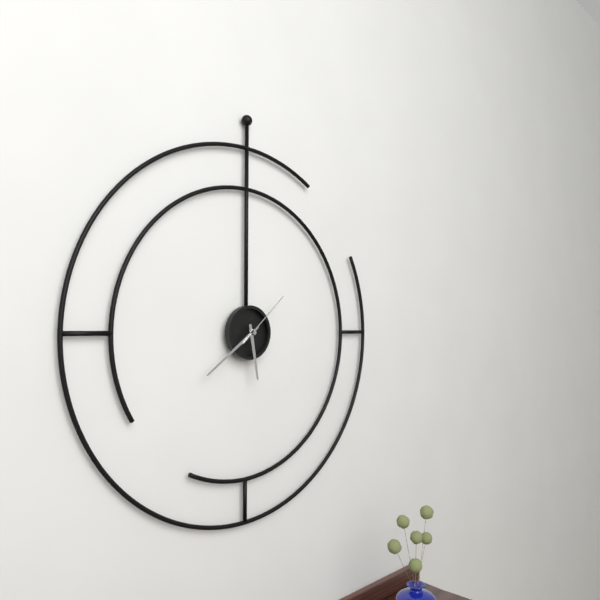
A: 5:39:08
